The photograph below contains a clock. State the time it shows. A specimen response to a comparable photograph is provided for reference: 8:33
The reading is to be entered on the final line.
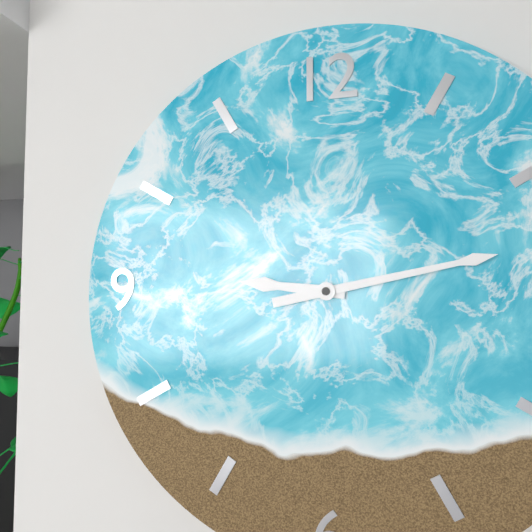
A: 9:13
